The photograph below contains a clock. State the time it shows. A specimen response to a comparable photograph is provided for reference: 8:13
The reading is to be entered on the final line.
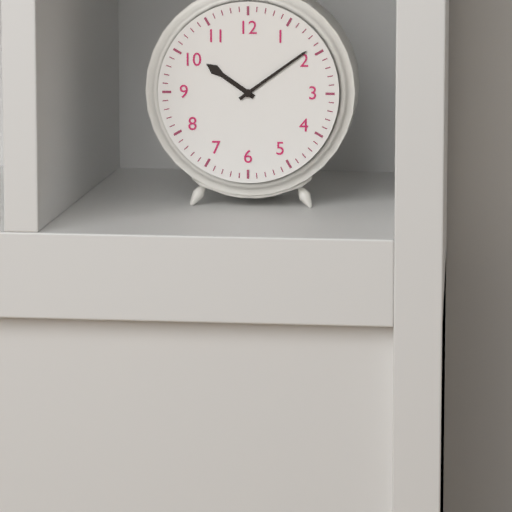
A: 10:09
